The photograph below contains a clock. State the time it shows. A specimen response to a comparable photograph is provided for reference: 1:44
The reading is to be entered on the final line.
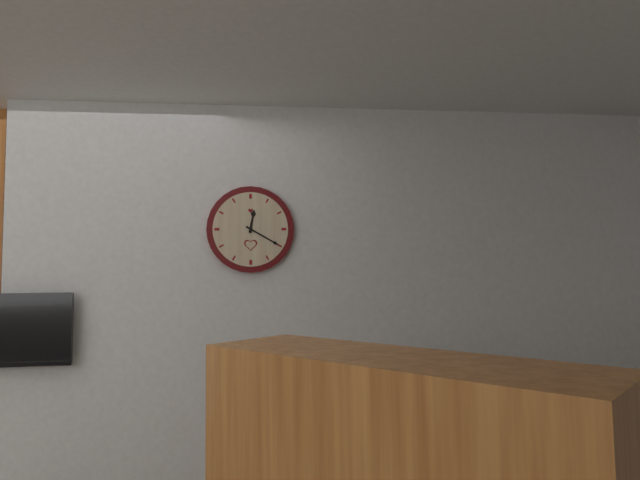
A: 12:20
